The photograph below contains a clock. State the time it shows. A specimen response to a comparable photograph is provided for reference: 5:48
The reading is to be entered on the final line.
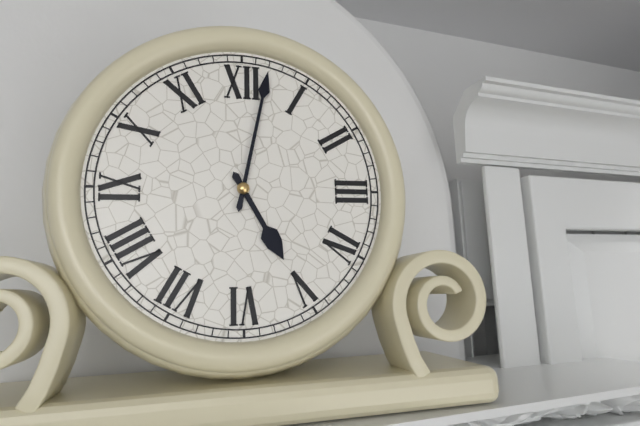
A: 5:02
